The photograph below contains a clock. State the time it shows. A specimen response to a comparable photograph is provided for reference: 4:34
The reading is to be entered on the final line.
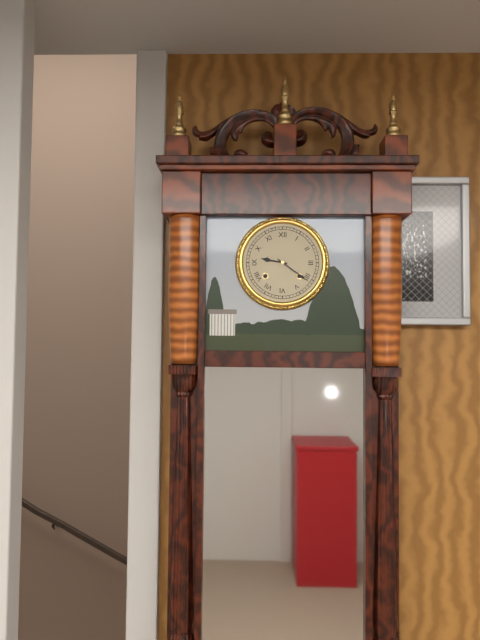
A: 9:21
